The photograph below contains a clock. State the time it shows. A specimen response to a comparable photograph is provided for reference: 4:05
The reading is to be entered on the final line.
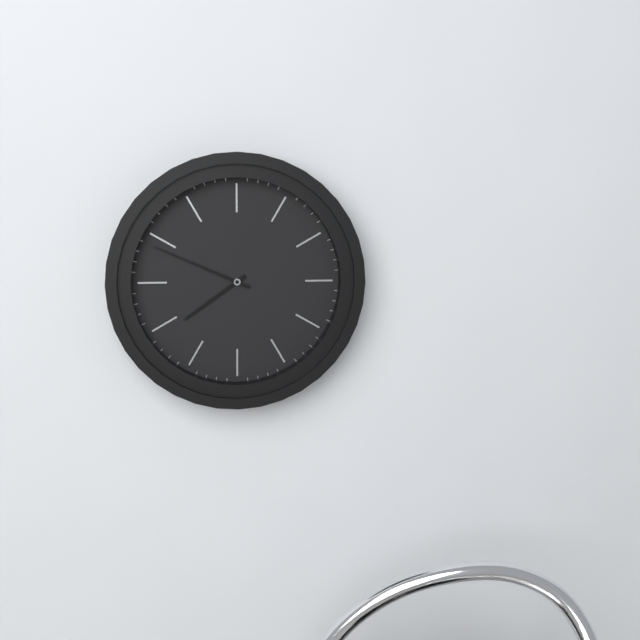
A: 7:49
